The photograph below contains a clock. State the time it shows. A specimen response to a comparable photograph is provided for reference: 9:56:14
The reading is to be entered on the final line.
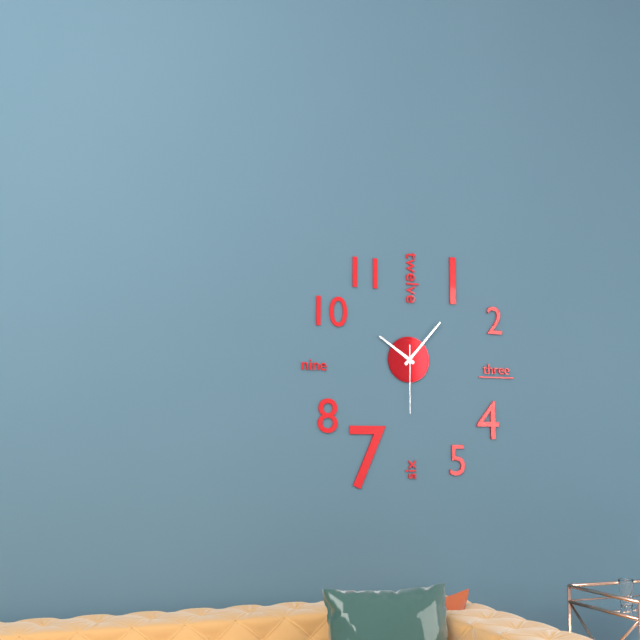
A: 10:07:30
